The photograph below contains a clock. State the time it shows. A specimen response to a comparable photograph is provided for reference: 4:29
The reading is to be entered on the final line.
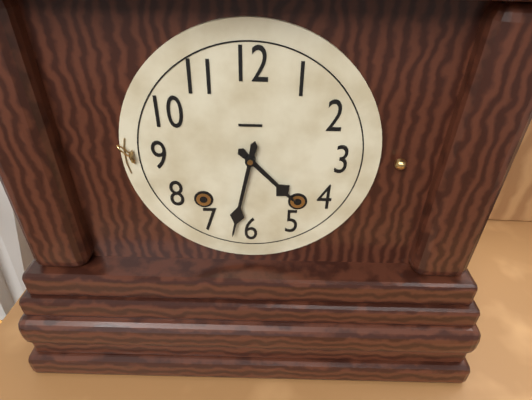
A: 4:32
